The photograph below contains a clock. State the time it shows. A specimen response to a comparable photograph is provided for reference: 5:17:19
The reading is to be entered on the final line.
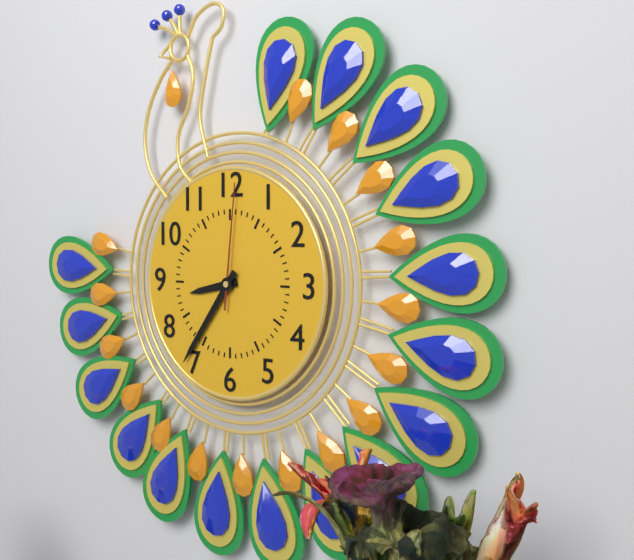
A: 8:36:01
